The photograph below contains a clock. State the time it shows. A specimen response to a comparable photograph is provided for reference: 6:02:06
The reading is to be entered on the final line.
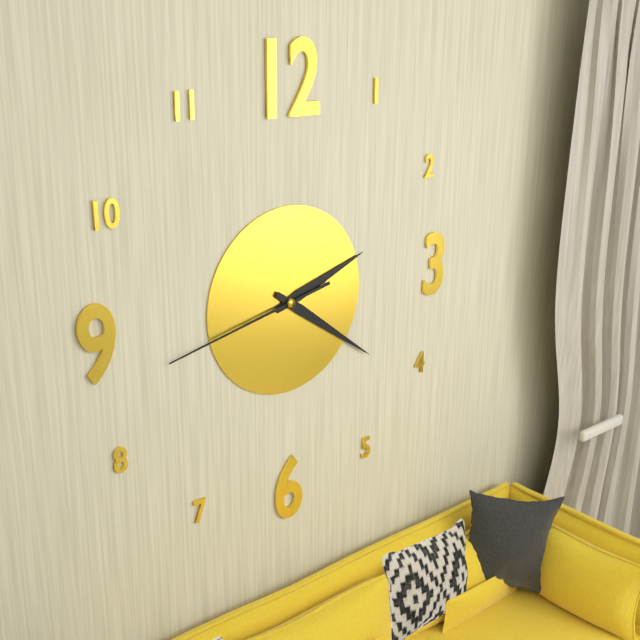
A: 2:21:43
